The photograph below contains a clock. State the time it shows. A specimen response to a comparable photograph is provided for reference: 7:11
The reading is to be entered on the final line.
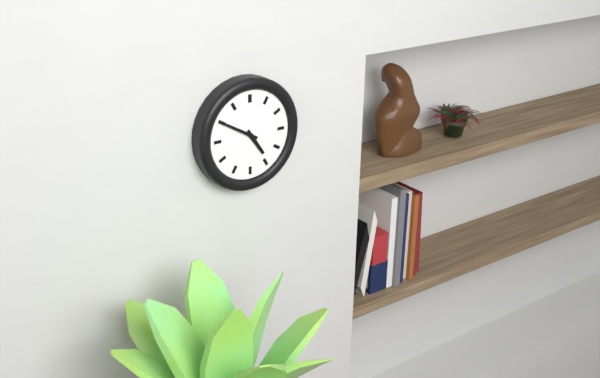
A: 4:50
